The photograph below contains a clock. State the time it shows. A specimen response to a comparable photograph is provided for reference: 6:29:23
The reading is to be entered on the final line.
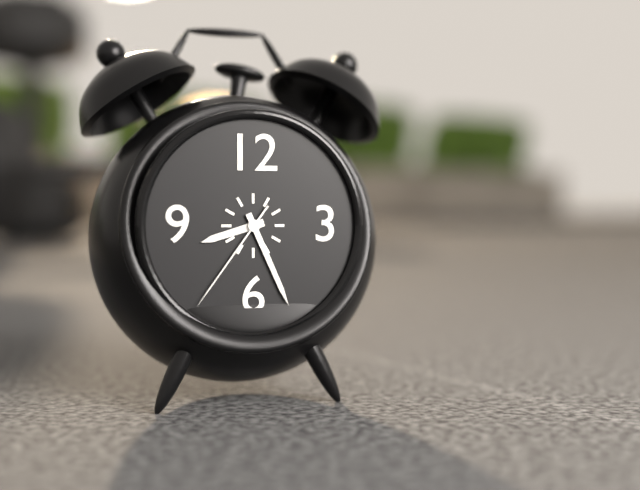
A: 8:26:36
